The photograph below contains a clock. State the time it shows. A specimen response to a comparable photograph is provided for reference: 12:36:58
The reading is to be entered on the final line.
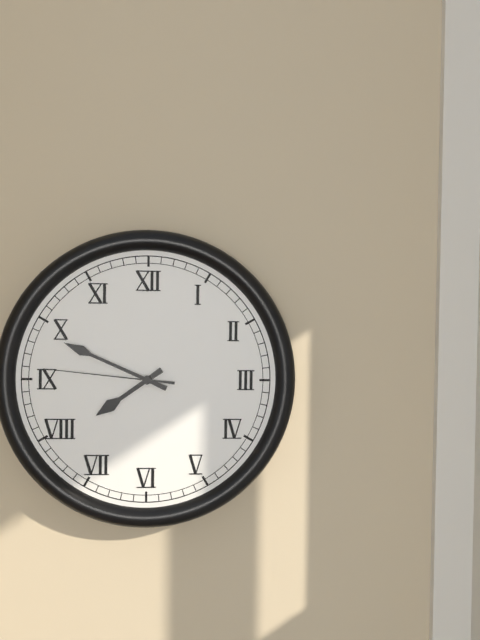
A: 7:49:46
